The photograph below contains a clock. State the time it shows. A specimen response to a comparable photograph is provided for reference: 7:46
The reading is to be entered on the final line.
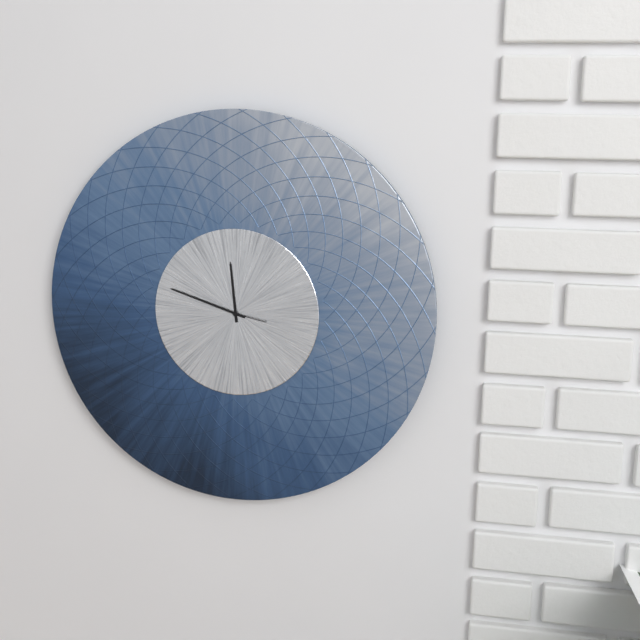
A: 11:48
